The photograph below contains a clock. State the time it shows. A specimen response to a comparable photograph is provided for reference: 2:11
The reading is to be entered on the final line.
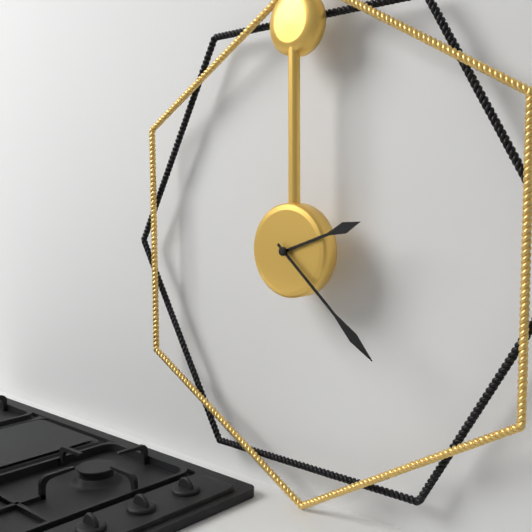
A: 2:22
